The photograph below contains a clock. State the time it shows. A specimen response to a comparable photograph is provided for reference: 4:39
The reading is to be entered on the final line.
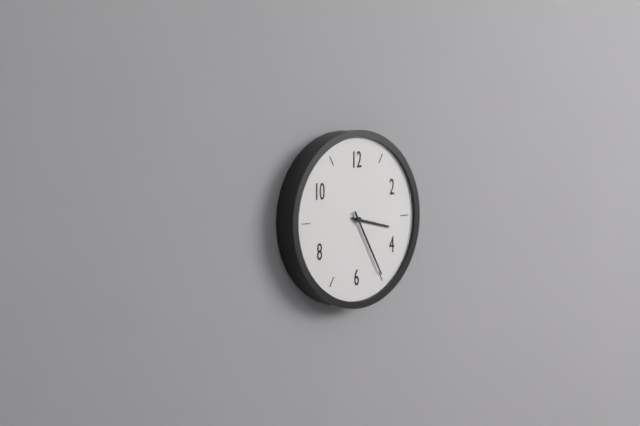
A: 3:25
